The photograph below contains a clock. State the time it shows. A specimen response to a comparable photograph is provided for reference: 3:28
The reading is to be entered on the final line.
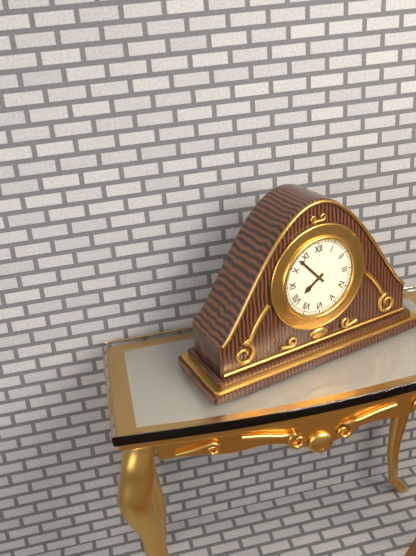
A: 7:53
